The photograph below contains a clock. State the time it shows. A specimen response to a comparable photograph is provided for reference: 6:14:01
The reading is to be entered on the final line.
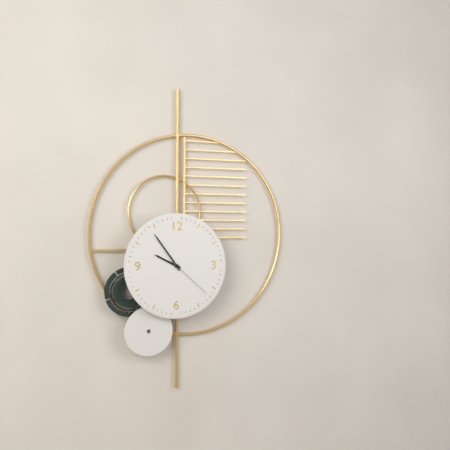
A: 9:54:22
